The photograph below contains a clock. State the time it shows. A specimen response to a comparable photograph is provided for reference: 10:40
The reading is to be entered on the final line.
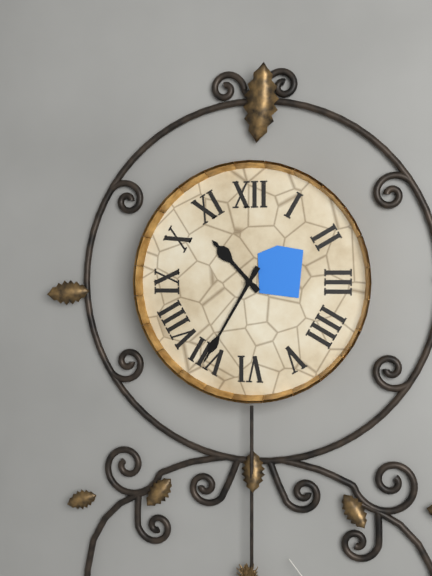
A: 10:35
